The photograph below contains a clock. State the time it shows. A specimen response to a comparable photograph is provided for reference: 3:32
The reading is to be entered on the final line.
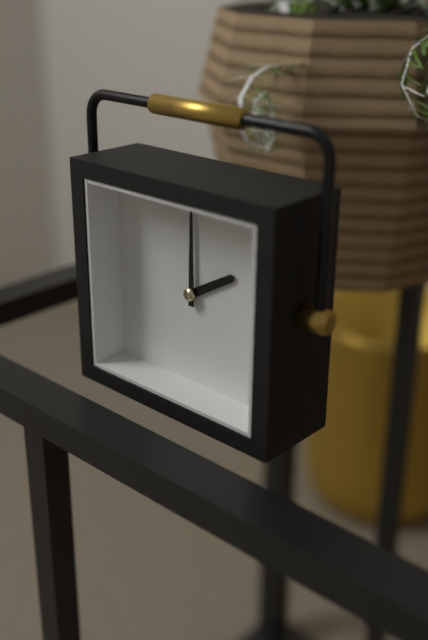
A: 2:00
